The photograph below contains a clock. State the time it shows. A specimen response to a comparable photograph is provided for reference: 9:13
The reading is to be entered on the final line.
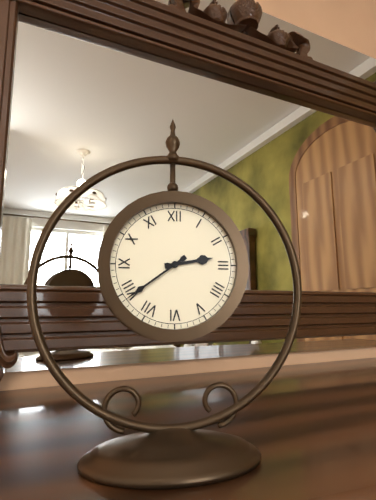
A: 2:39
